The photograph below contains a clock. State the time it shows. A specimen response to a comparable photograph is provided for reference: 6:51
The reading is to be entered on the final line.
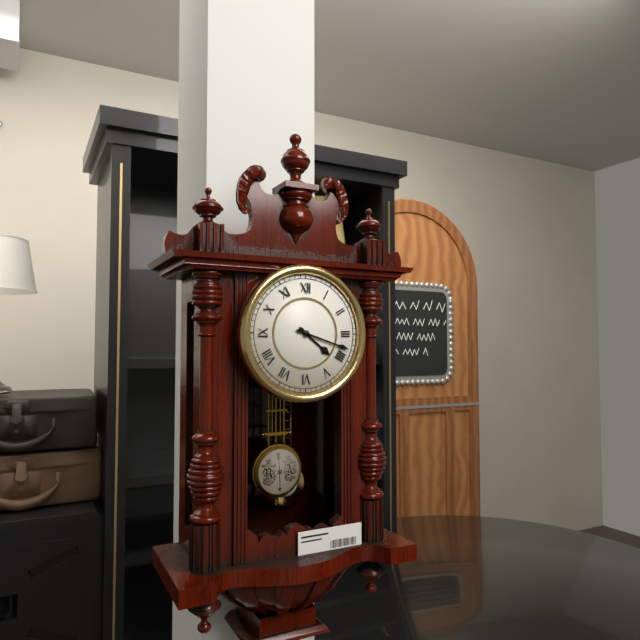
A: 4:18
